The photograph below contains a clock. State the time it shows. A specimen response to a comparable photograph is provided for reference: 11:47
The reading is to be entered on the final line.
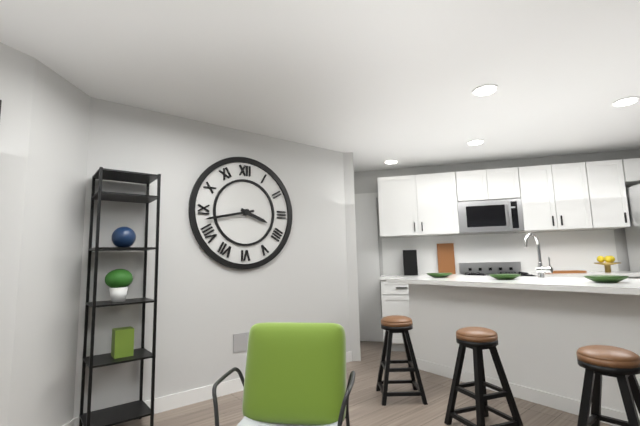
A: 3:43
